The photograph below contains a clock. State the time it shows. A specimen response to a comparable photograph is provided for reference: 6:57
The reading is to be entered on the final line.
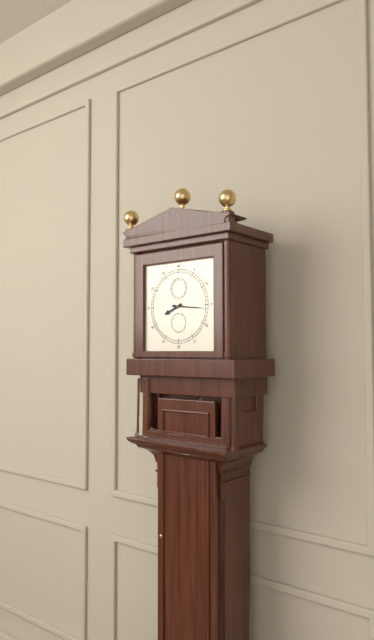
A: 8:16
